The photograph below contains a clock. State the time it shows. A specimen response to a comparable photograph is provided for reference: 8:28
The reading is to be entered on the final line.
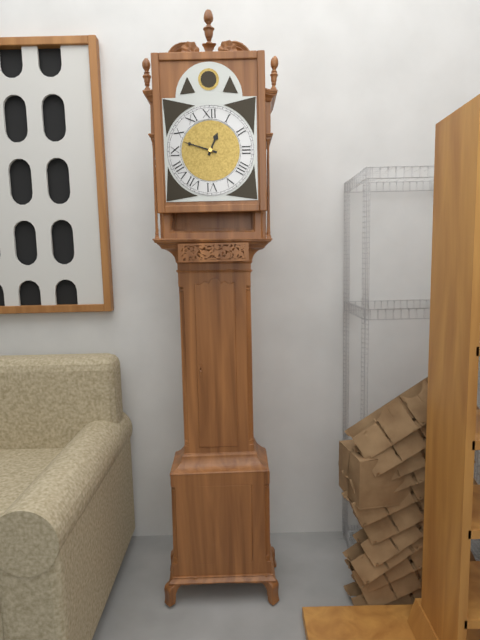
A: 12:48
